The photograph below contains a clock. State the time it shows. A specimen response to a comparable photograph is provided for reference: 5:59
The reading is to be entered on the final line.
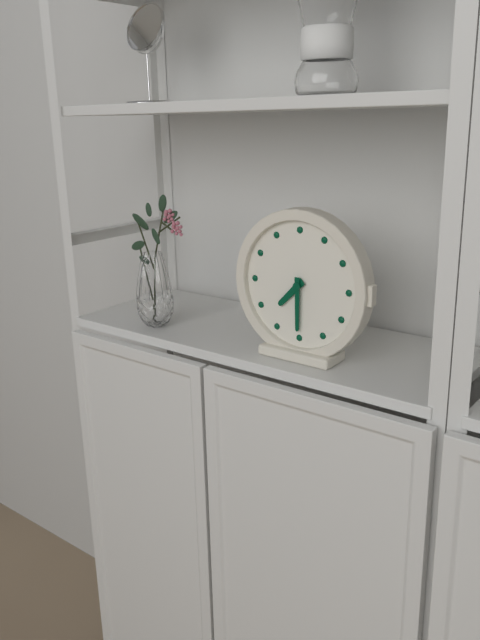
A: 7:30
